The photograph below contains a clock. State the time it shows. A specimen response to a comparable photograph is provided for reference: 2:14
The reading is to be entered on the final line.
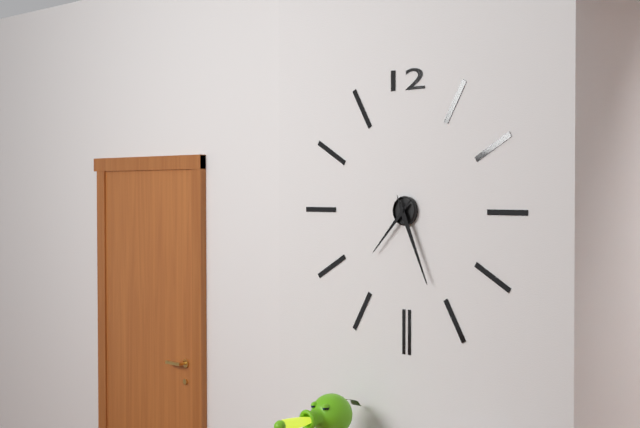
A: 7:26
